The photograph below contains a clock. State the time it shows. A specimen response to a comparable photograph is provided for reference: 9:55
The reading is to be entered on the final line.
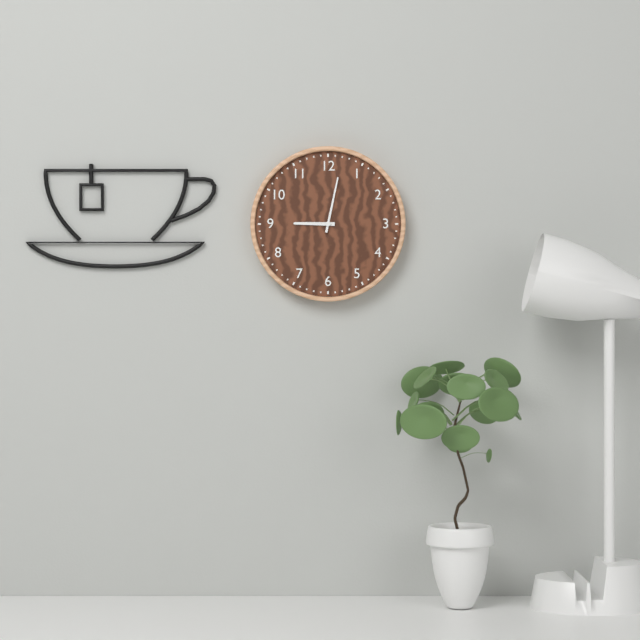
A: 9:02
